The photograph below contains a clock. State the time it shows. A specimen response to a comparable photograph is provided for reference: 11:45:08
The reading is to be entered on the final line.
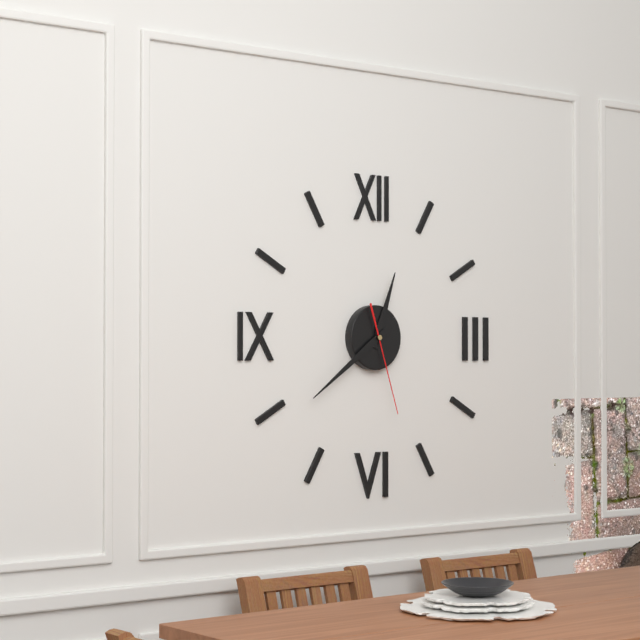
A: 12:39:27
